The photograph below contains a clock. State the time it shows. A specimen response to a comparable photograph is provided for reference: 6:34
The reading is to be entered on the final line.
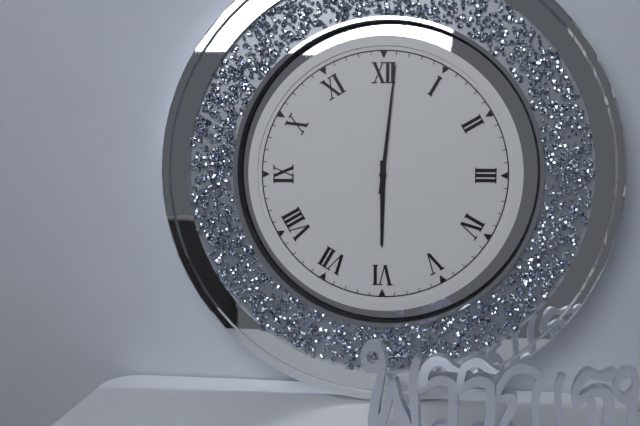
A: 6:01
